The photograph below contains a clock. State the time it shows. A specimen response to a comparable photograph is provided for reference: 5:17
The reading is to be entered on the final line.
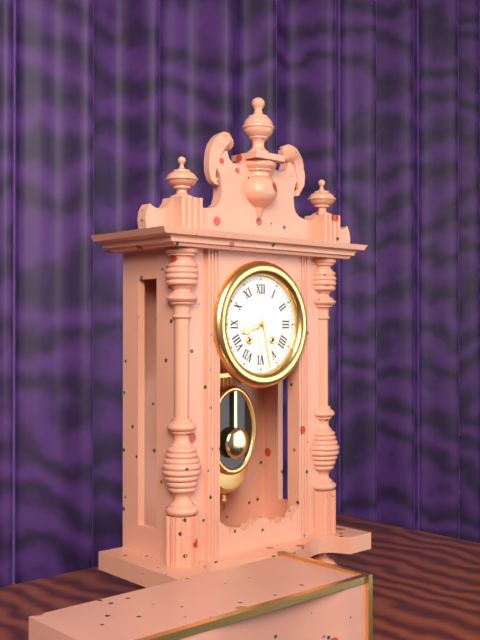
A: 8:28
